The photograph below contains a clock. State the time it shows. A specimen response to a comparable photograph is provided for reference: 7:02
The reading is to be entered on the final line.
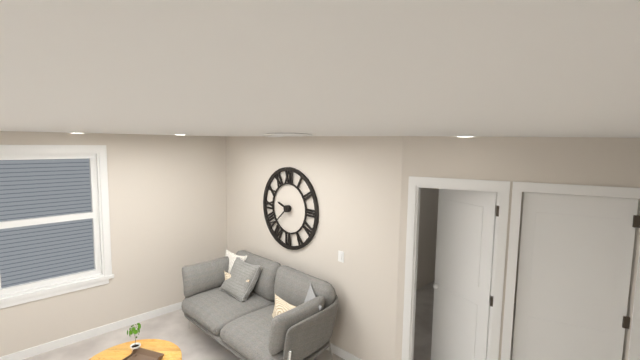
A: 9:38
